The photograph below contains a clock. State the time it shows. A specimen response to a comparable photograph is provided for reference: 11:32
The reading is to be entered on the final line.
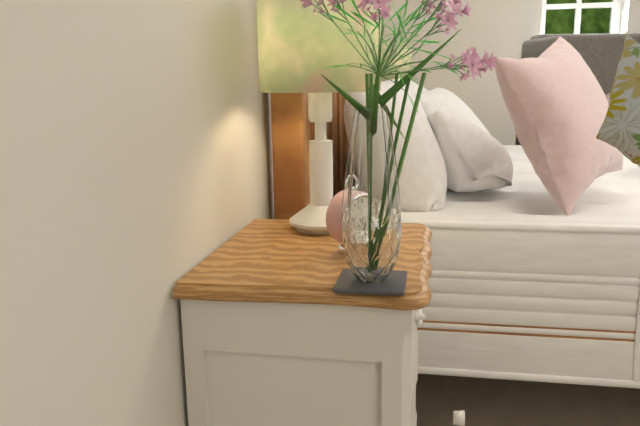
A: 7:28
